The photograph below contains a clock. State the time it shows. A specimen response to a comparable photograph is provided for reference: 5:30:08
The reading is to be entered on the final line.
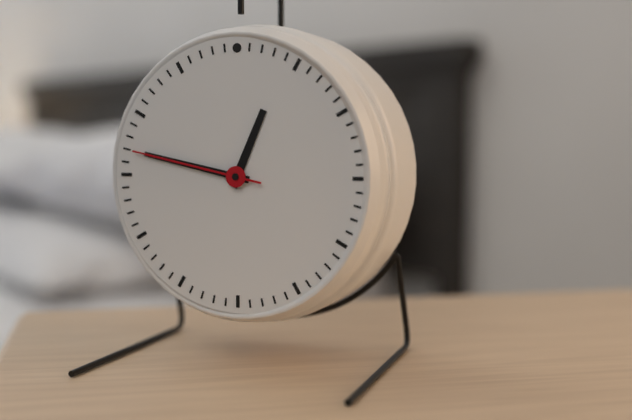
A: 12:47:47
